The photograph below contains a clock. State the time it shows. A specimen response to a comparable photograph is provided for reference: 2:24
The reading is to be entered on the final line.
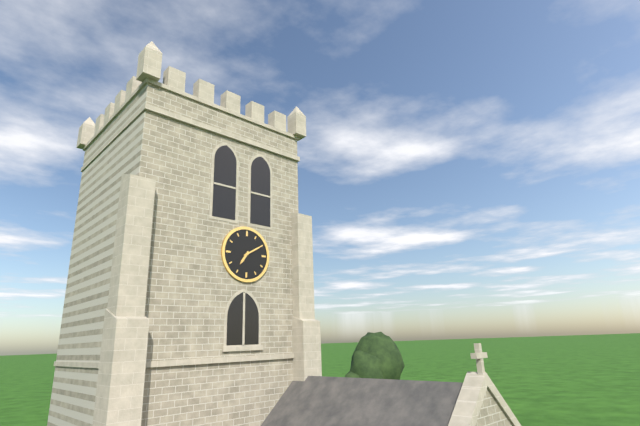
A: 7:10
